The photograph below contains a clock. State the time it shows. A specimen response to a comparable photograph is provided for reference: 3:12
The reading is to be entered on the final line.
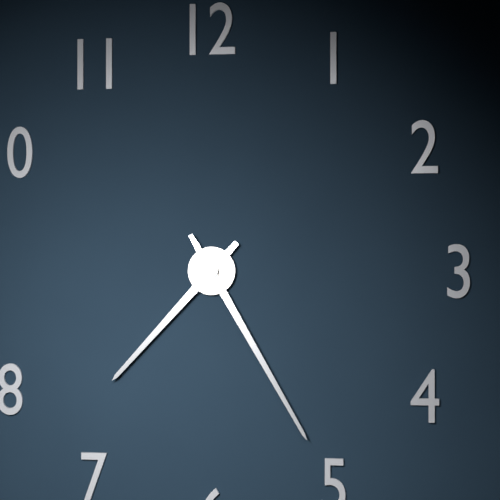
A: 7:25
